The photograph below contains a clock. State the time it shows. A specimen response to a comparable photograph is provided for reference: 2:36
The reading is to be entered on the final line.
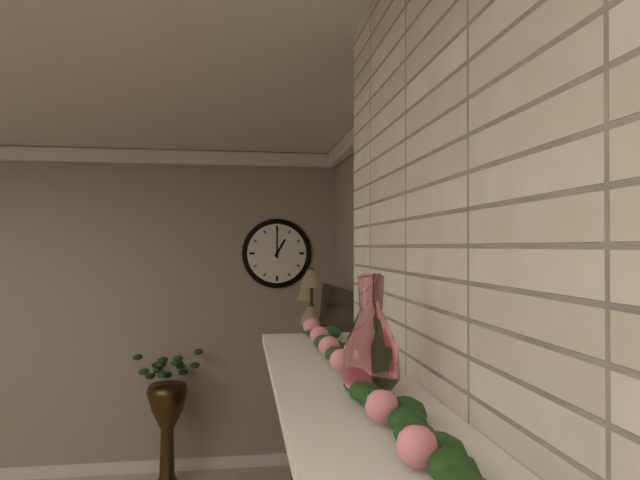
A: 1:00
